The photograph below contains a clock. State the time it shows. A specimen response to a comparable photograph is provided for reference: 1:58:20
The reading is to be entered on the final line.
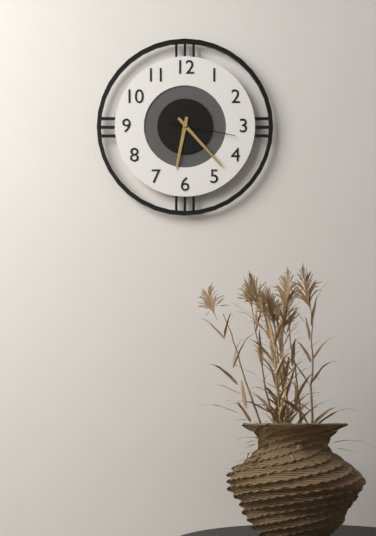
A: 6:23:17
